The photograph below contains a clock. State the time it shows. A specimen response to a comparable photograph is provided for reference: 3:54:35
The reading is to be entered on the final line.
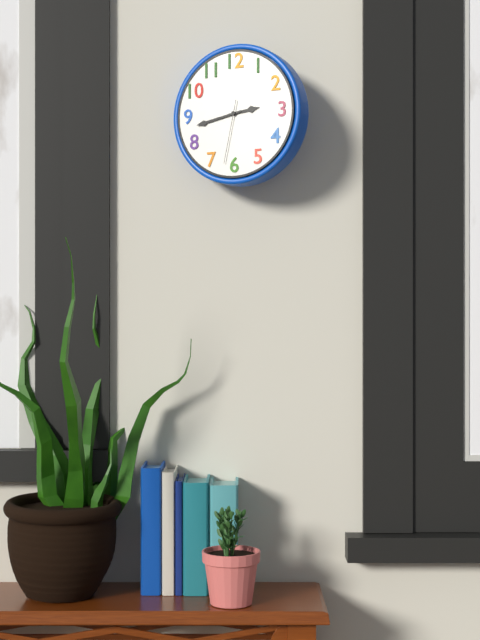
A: 2:43:32
